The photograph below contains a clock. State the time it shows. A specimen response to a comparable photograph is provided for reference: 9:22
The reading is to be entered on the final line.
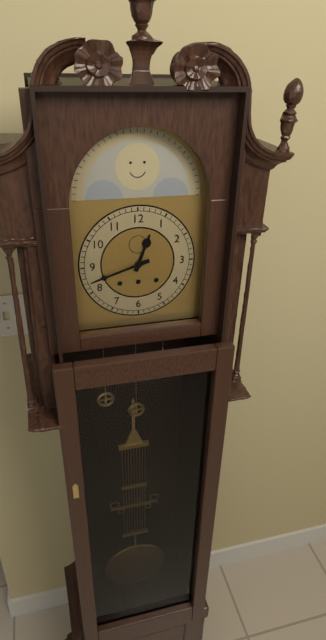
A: 12:42
